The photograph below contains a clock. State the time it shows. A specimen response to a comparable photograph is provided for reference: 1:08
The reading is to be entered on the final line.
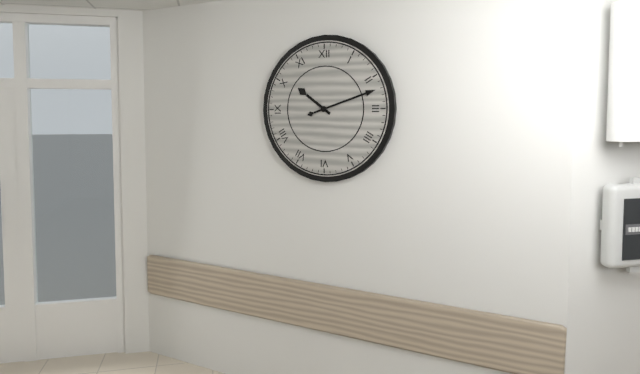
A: 10:12
